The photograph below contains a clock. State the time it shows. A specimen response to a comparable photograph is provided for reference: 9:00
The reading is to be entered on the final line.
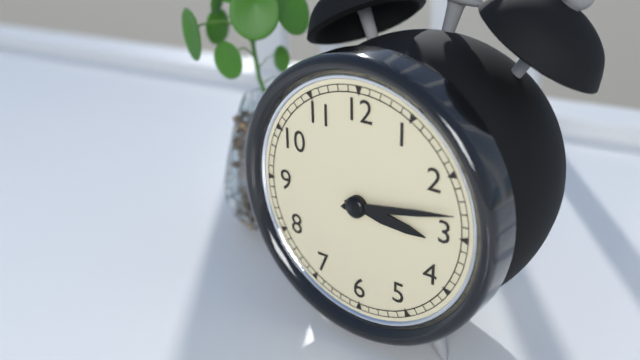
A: 3:13
